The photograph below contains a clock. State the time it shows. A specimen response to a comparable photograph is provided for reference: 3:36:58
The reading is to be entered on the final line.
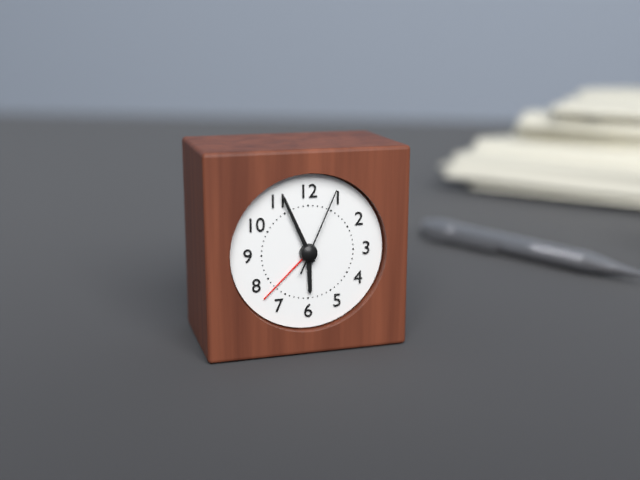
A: 5:56:04
